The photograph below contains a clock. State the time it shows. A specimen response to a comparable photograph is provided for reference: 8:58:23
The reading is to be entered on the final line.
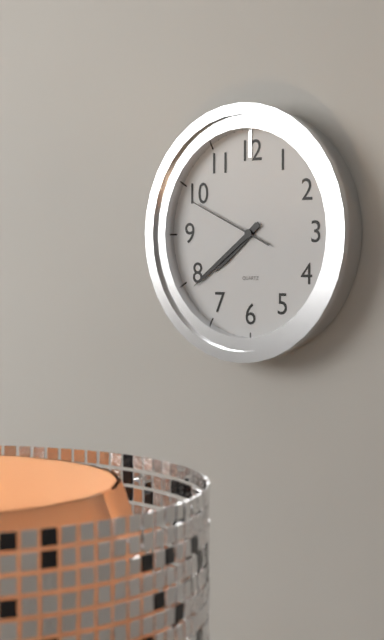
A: 7:39:49
